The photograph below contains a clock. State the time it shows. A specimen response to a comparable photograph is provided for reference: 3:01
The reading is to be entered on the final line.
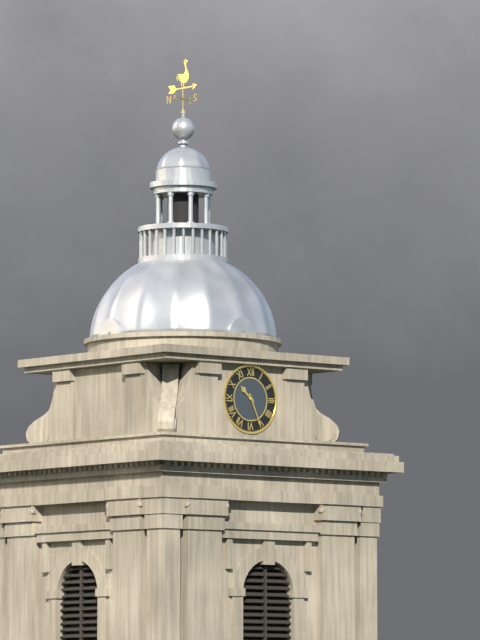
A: 10:26
